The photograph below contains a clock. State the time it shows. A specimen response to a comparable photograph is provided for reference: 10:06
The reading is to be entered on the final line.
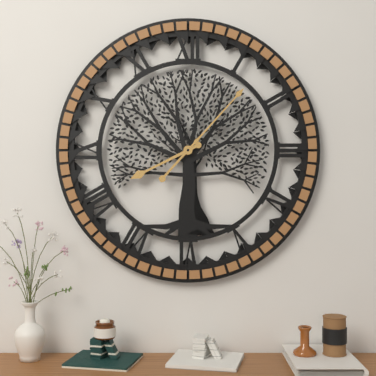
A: 8:07
